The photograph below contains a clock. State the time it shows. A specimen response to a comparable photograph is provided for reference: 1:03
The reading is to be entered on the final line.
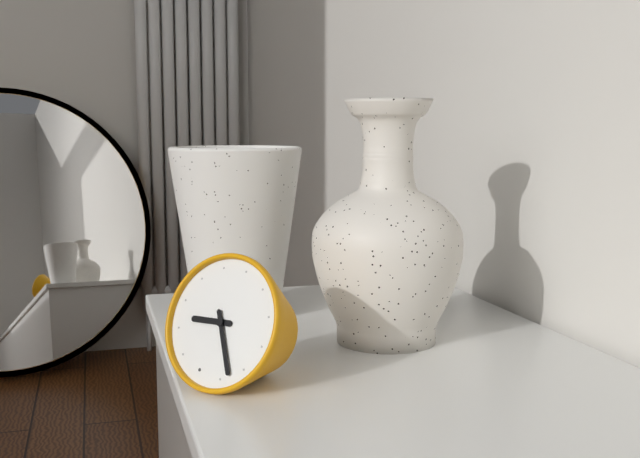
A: 8:23
